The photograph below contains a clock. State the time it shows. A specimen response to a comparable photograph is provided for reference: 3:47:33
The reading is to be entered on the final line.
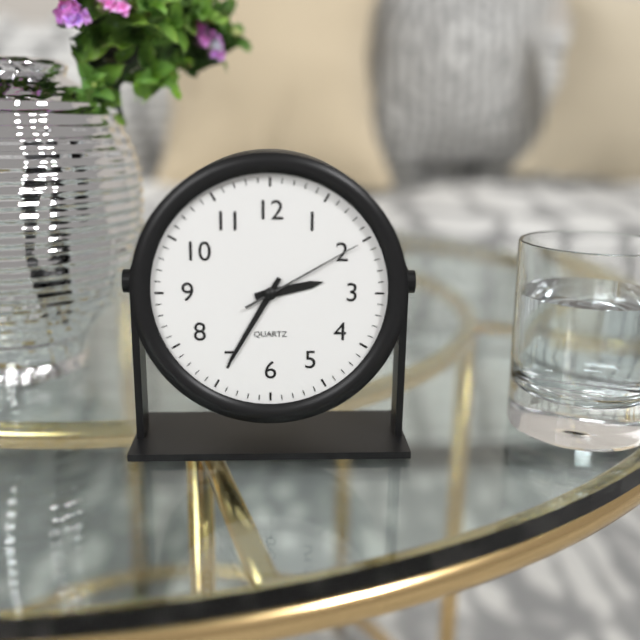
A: 2:35:10
